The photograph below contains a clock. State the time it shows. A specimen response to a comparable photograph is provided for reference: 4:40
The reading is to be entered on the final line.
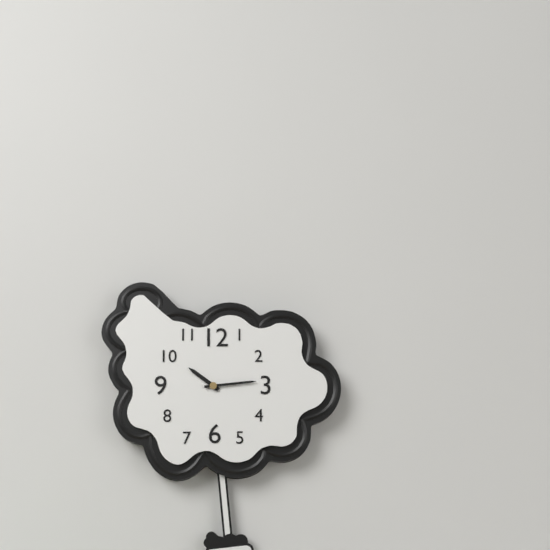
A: 10:14
